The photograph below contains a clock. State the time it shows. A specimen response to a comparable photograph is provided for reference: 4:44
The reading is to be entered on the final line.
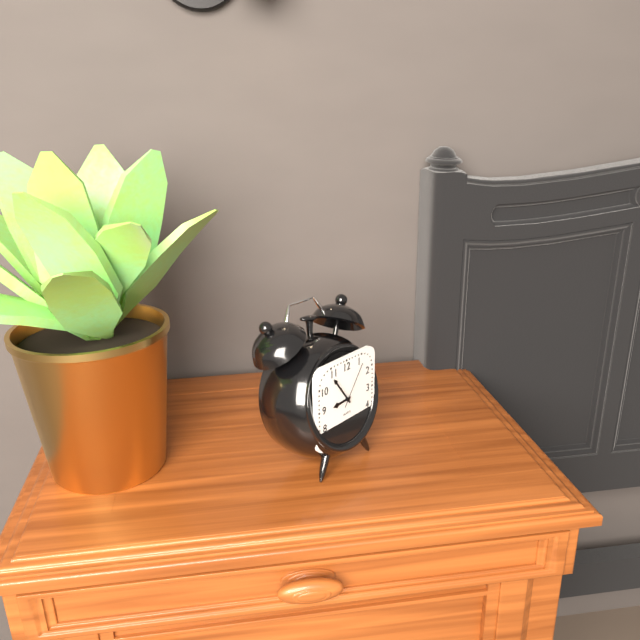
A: 8:54
